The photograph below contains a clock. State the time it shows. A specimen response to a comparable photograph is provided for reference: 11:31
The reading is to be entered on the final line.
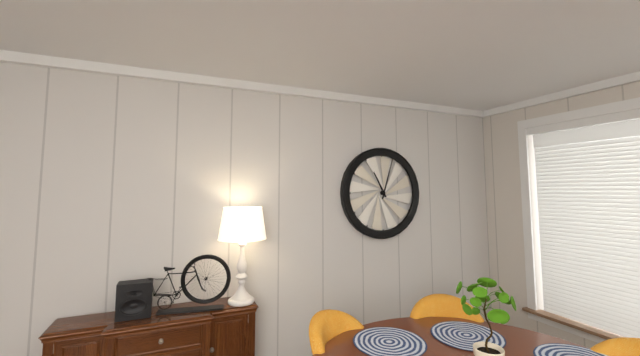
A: 11:03
